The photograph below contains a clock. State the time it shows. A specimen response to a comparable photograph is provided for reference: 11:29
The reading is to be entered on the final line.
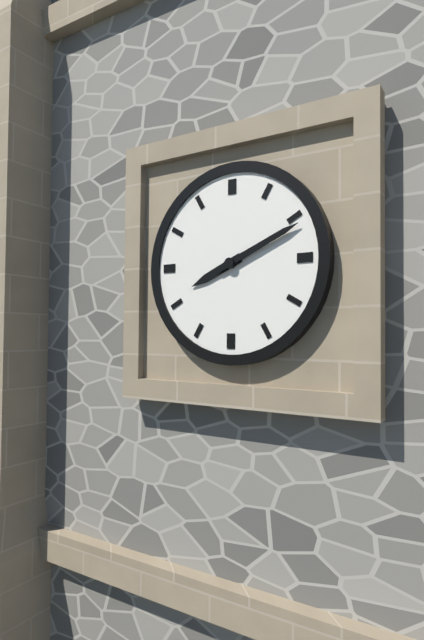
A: 8:11
